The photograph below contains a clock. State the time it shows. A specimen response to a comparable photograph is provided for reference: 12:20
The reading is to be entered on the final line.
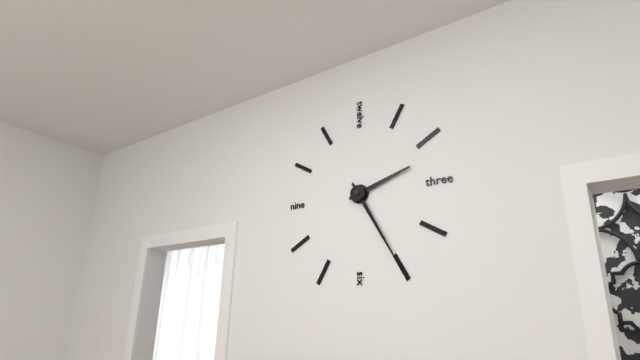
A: 2:25
